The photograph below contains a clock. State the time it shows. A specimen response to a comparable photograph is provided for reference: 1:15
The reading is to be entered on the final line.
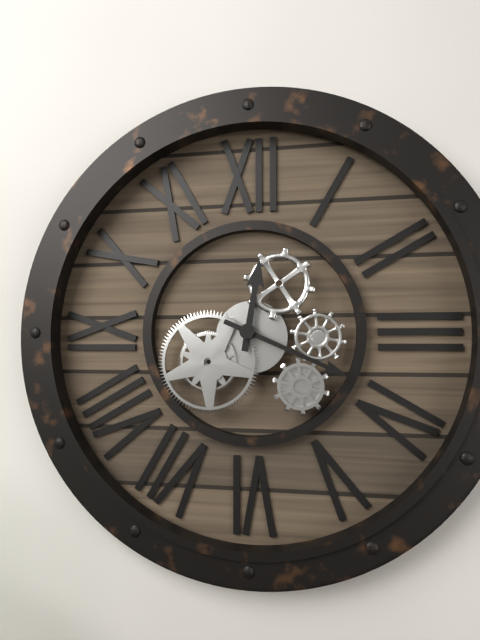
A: 12:19
